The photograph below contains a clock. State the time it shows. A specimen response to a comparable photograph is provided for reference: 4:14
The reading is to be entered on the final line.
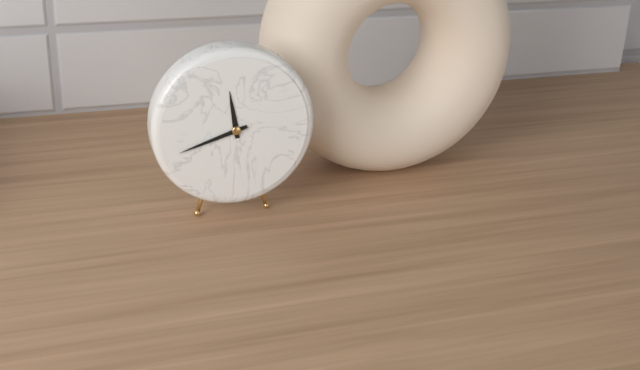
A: 11:42
